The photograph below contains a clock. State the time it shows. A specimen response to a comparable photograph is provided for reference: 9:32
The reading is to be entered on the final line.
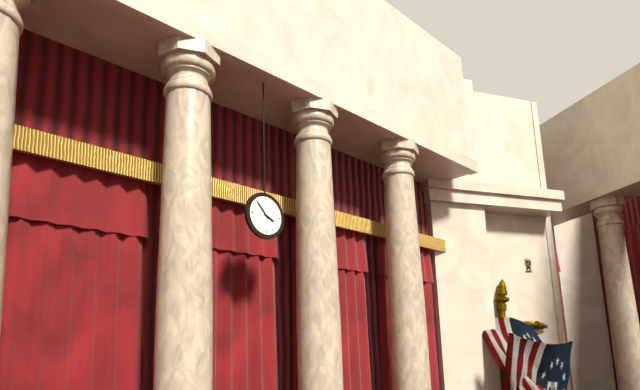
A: 3:53
